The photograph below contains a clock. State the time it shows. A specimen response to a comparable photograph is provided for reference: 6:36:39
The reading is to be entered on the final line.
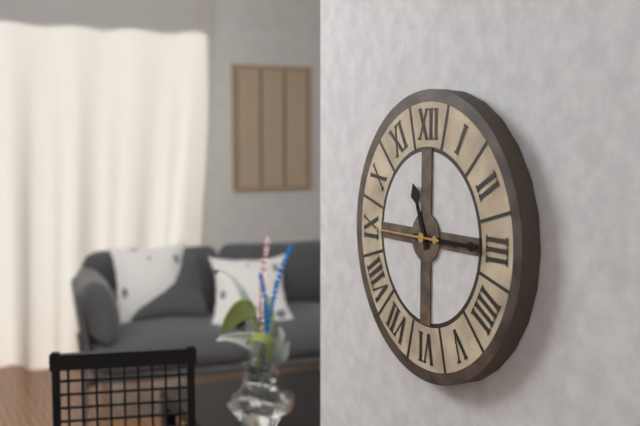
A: 11:15:45
